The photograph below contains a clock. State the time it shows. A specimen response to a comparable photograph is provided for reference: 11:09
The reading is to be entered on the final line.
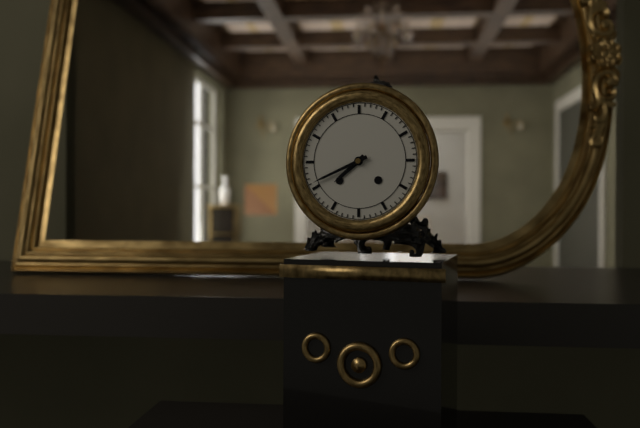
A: 7:41
